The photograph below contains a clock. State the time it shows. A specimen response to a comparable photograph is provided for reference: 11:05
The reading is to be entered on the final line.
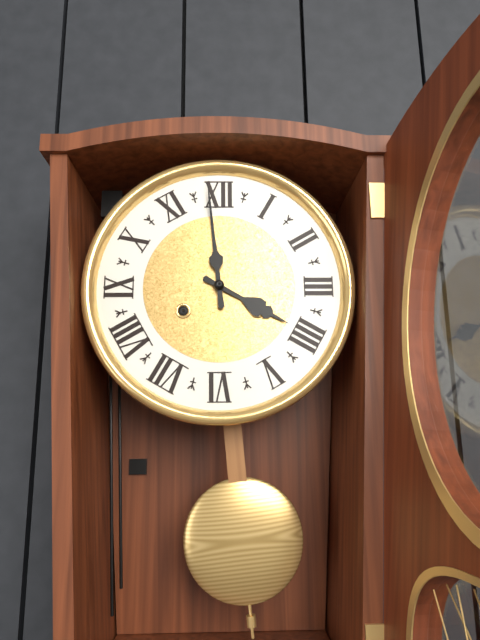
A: 3:59
